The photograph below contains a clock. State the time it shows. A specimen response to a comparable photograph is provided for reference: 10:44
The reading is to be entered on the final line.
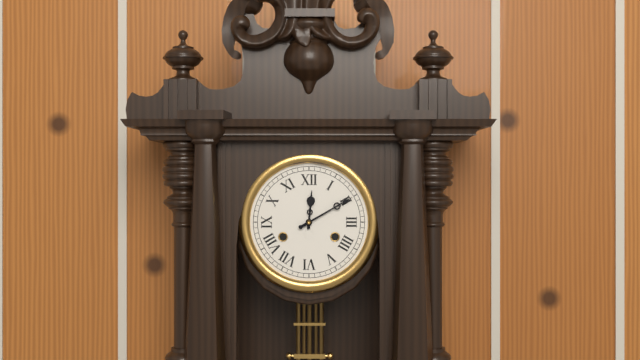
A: 12:10
